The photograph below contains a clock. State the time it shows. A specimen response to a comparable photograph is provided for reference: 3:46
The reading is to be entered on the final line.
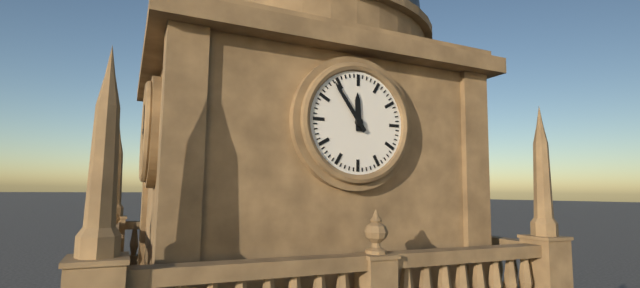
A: 11:54
